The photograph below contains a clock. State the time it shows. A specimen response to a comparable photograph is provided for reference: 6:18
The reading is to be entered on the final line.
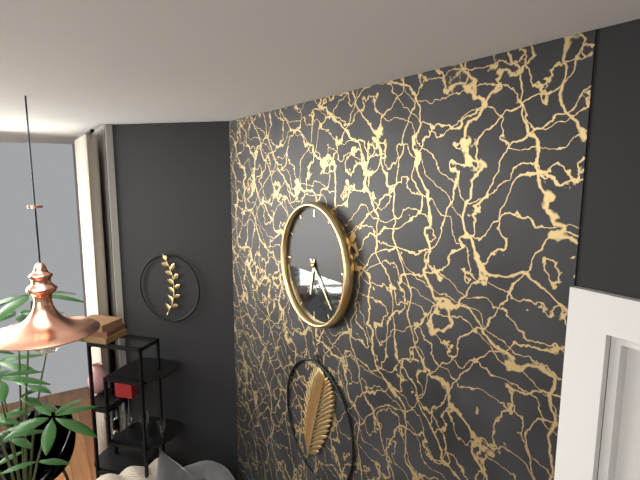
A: 6:23
